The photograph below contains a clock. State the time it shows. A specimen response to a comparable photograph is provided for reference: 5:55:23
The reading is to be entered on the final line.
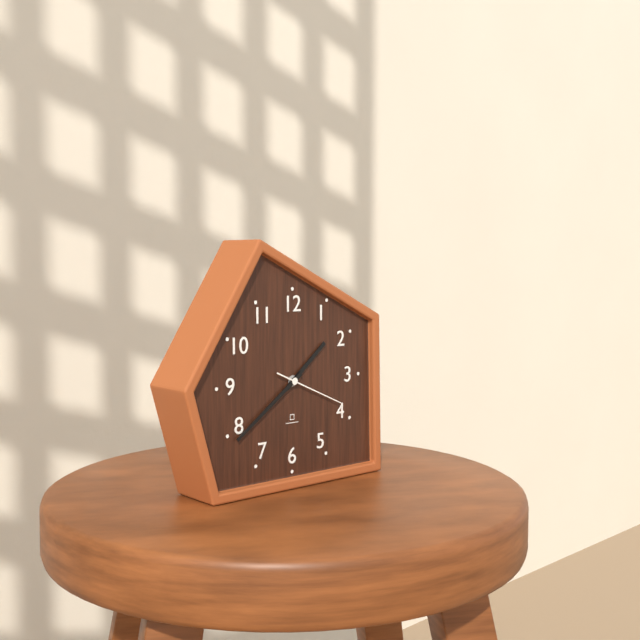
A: 1:39:19
